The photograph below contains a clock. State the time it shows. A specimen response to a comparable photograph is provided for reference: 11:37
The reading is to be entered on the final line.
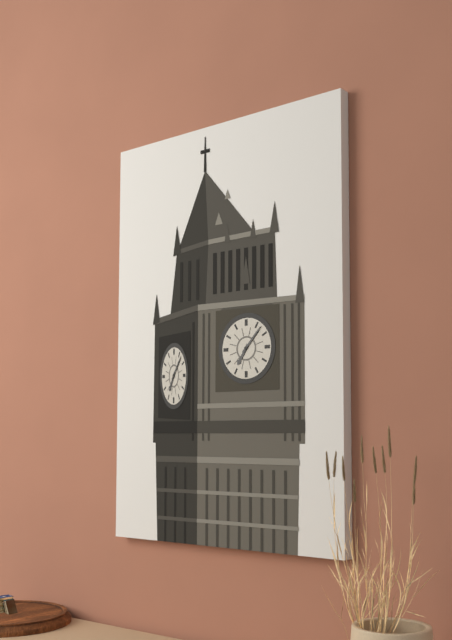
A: 7:07
